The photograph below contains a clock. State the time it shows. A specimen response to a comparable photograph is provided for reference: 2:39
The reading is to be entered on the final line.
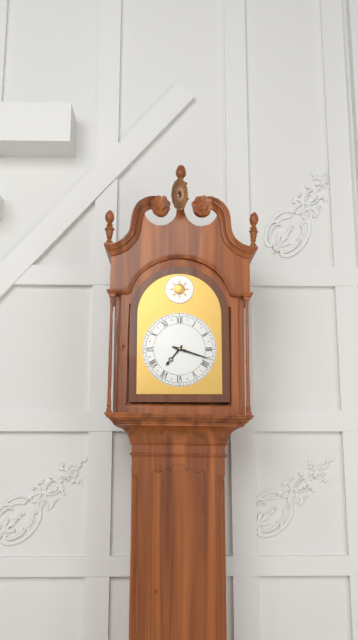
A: 7:18
